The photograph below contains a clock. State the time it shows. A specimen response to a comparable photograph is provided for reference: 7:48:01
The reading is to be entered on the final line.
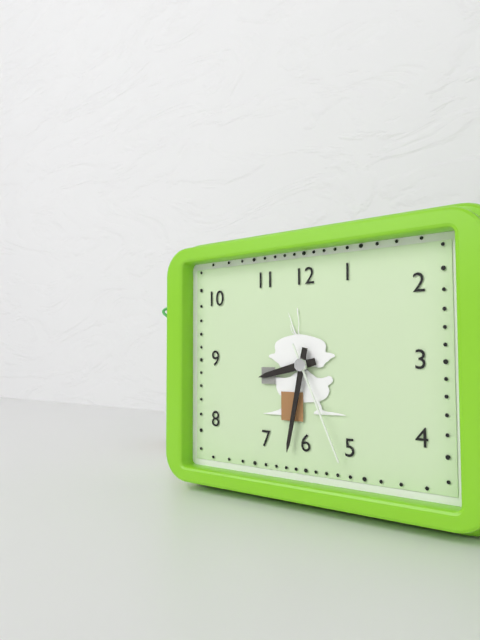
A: 8:32:26
